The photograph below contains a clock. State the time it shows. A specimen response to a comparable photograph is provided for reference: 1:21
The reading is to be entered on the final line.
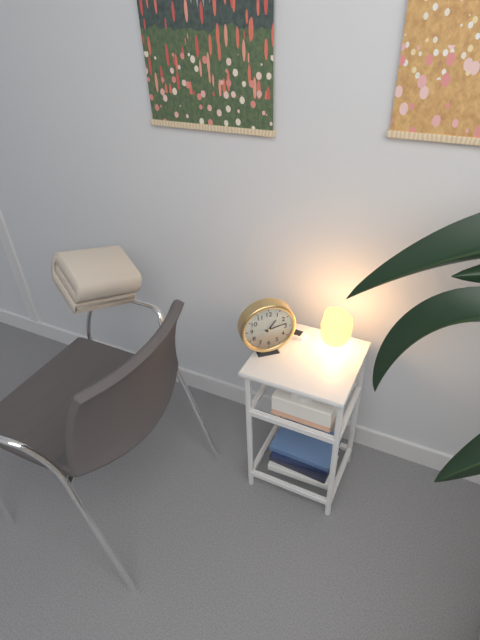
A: 1:13
